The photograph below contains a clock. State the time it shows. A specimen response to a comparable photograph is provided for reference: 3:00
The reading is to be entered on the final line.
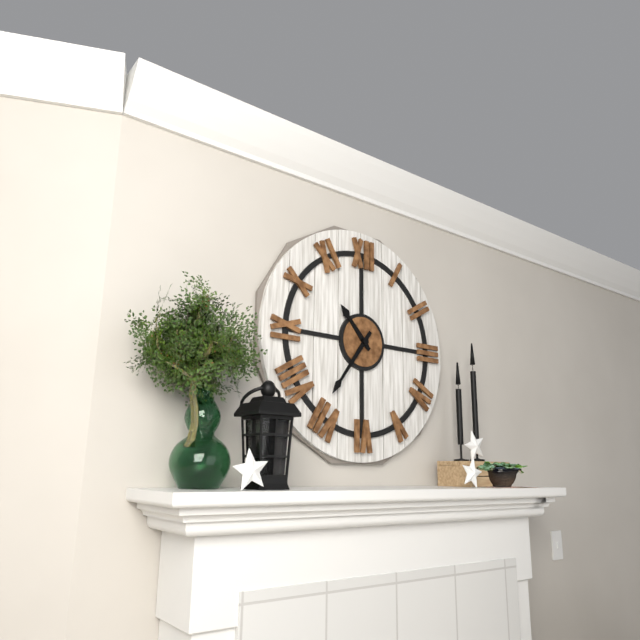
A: 10:36
